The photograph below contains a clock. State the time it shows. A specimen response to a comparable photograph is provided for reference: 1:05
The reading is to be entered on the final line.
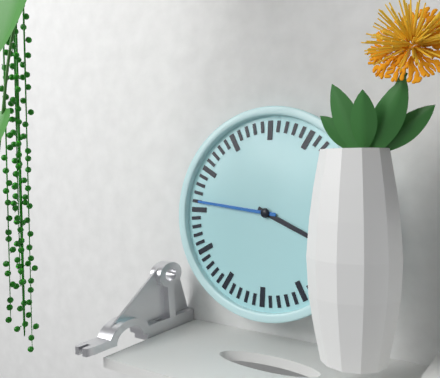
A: 3:46
